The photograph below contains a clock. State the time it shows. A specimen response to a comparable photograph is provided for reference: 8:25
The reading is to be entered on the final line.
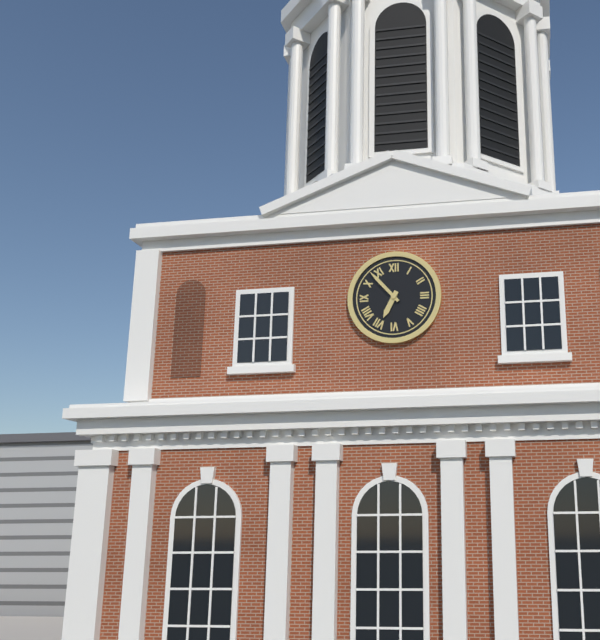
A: 6:53
